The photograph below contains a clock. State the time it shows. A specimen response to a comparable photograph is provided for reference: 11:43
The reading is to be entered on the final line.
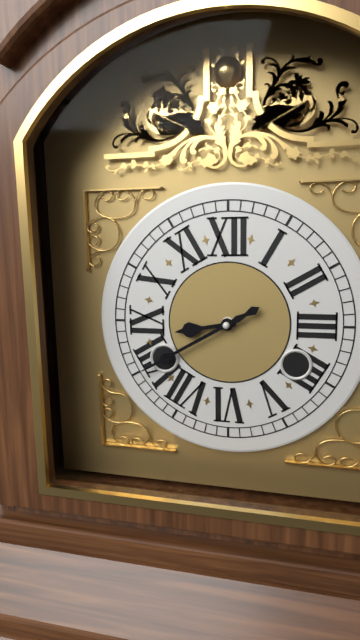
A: 8:40
